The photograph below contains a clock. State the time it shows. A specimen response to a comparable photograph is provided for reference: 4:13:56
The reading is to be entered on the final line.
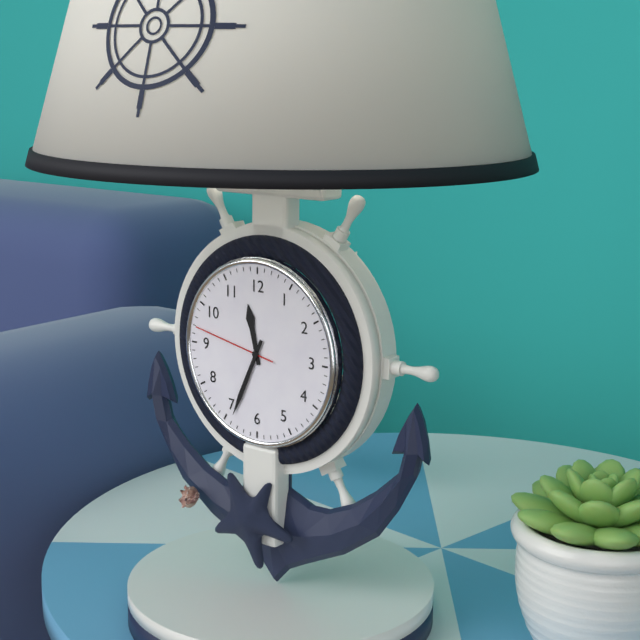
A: 11:34:47
